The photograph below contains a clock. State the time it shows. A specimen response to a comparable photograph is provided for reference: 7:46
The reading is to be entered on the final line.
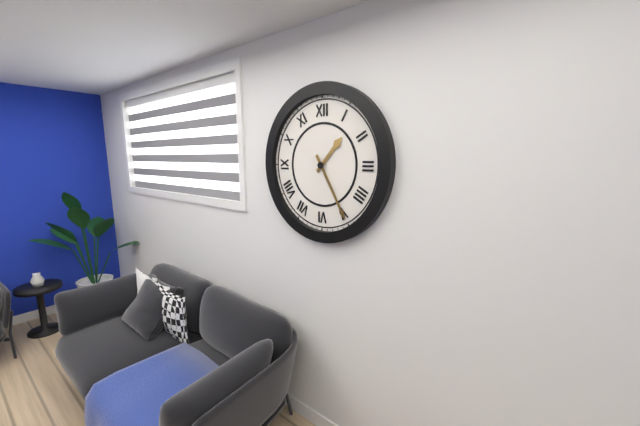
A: 1:25
